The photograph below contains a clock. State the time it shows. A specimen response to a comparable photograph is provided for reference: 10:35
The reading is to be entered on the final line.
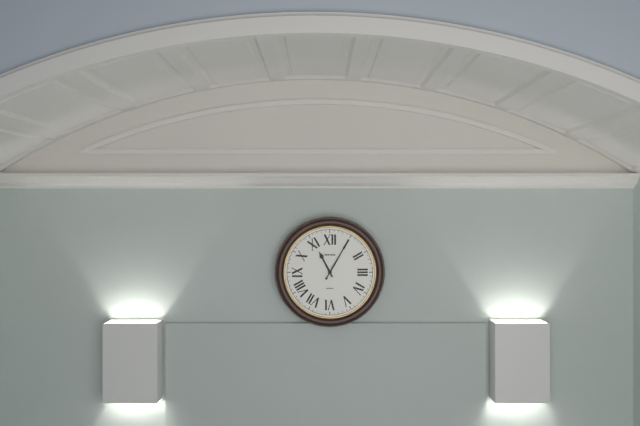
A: 11:05
